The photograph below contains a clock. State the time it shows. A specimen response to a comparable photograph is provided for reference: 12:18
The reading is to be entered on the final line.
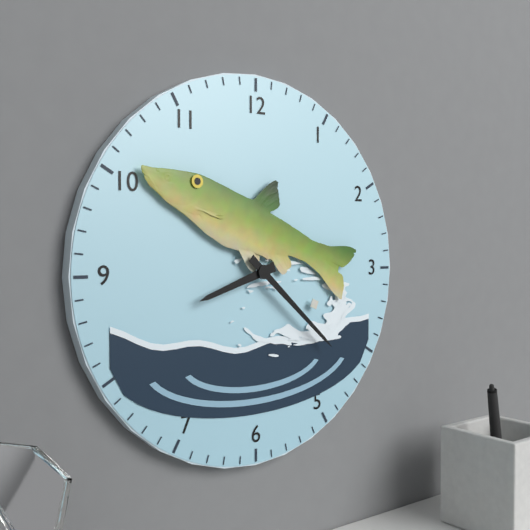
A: 8:22
